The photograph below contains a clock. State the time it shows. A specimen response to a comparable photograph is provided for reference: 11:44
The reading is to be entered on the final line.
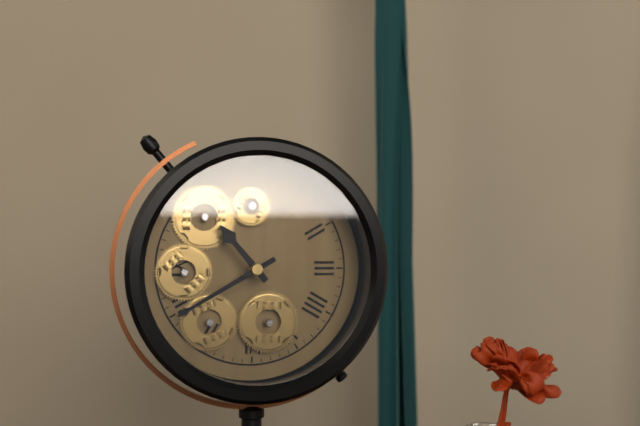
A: 10:40
